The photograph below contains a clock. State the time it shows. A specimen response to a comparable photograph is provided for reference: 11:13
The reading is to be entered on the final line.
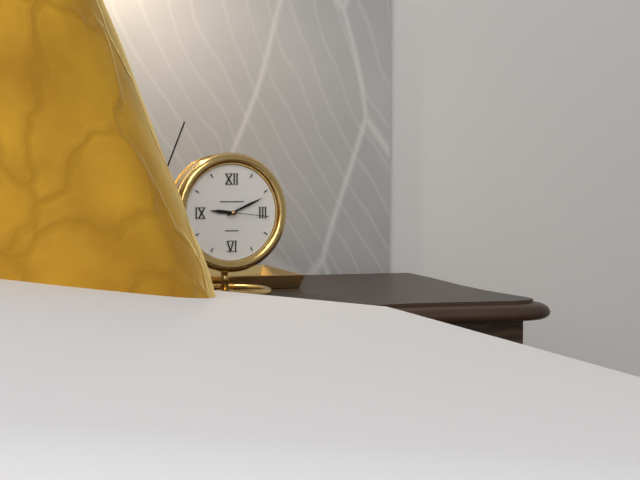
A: 9:11
